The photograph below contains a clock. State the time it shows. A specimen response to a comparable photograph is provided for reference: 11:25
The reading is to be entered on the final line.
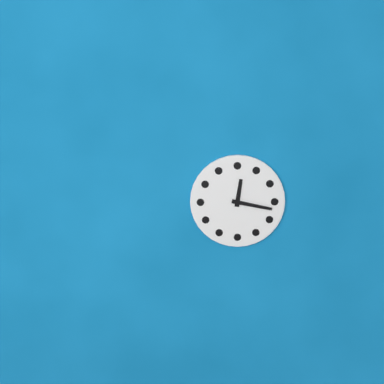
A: 12:17
